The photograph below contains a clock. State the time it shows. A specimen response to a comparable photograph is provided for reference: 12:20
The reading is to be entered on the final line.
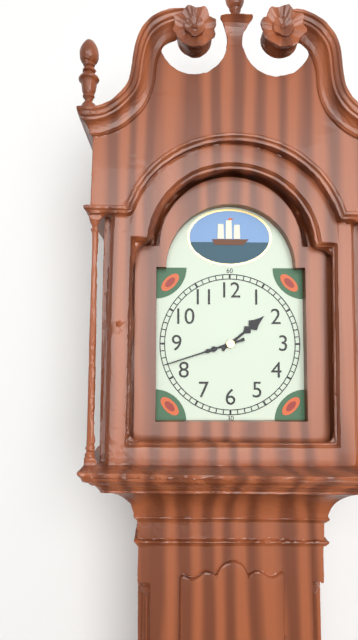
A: 1:42
